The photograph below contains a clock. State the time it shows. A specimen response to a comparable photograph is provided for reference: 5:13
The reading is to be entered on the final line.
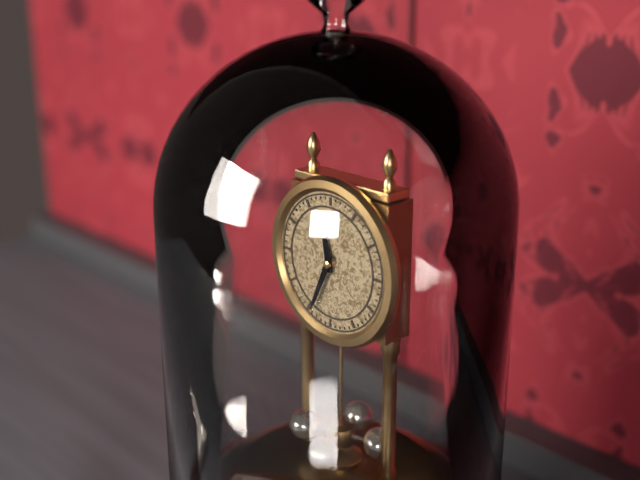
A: 11:34
